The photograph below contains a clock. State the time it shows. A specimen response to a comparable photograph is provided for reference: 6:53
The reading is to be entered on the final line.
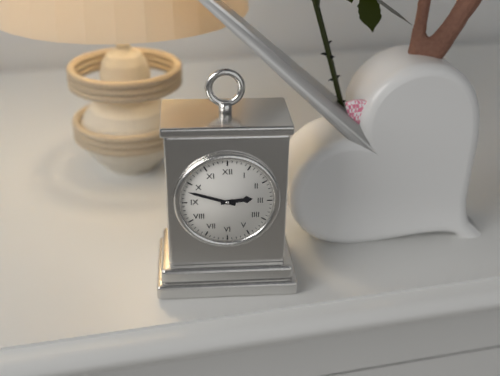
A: 2:48
